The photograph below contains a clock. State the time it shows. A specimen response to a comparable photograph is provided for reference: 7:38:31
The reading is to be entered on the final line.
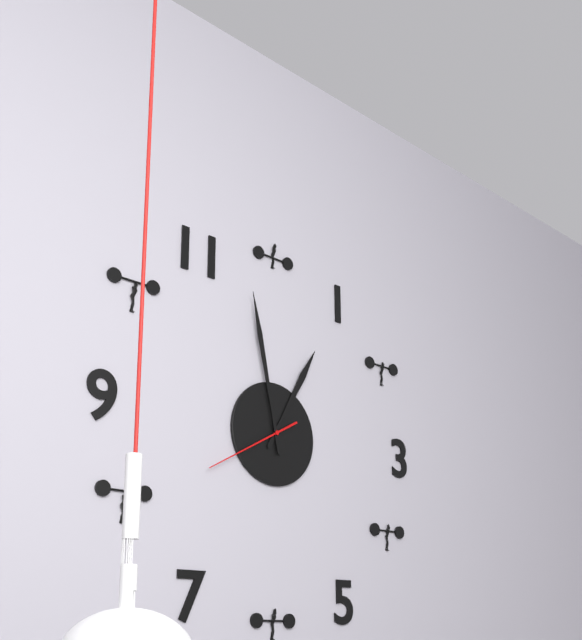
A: 12:58:40
